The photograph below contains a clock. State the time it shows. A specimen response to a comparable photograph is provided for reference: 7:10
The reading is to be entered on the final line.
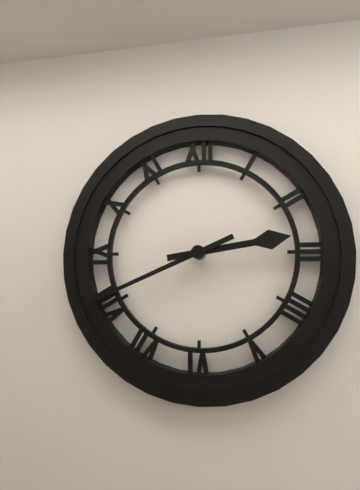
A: 2:41
